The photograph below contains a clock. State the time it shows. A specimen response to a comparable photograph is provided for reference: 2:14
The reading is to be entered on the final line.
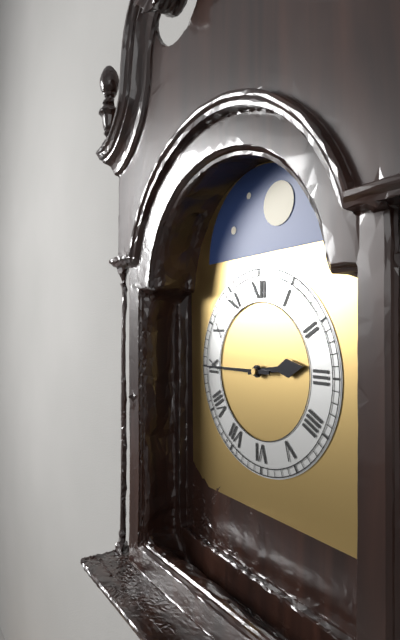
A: 2:45
